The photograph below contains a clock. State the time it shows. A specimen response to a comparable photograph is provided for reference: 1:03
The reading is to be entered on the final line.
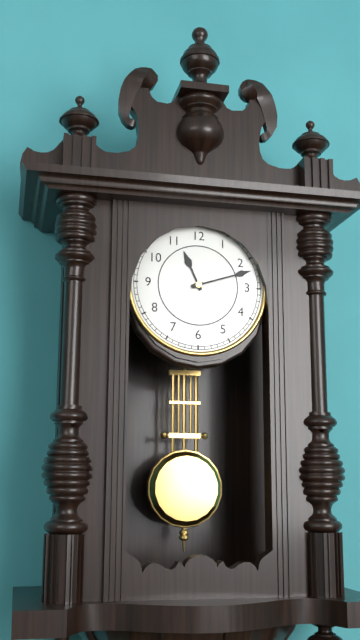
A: 11:12
